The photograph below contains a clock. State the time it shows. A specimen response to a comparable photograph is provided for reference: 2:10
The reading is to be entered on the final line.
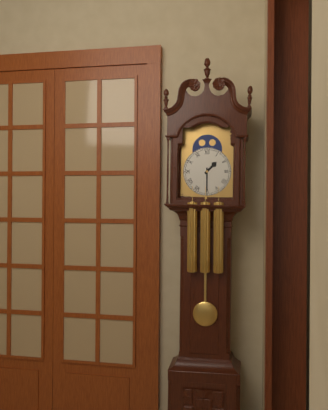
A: 1:30
